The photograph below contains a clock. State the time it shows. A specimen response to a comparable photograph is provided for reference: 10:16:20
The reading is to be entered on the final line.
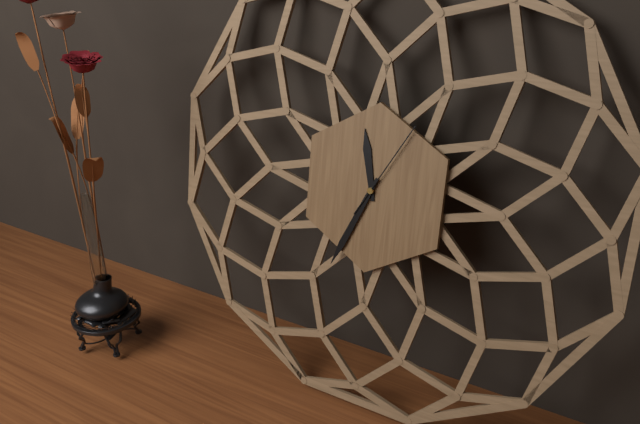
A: 11:34:05
